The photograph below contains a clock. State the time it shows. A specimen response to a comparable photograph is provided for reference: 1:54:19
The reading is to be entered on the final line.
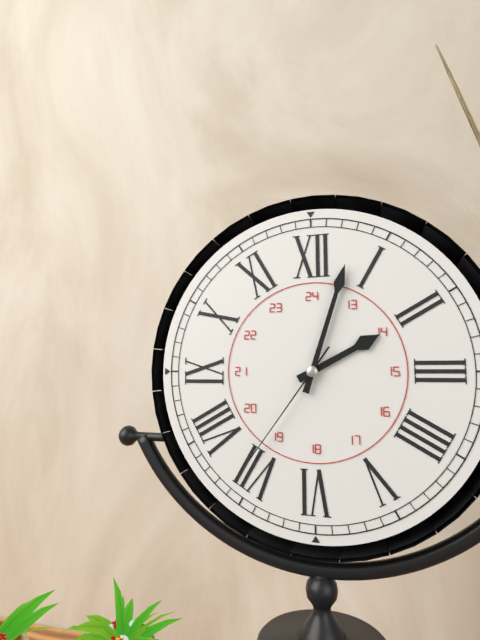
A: 2:03:36
